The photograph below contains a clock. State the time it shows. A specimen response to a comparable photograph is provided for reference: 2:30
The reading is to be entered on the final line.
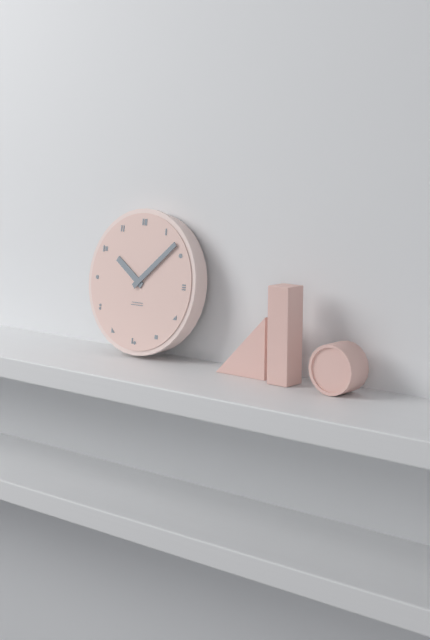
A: 10:08
